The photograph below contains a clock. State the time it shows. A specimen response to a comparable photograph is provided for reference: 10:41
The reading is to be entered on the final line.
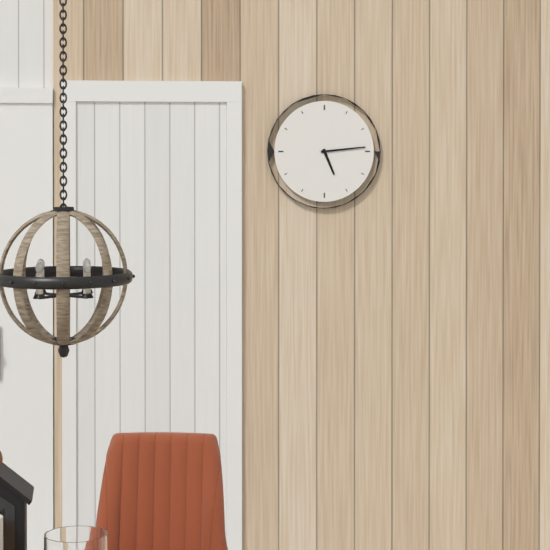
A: 5:14
